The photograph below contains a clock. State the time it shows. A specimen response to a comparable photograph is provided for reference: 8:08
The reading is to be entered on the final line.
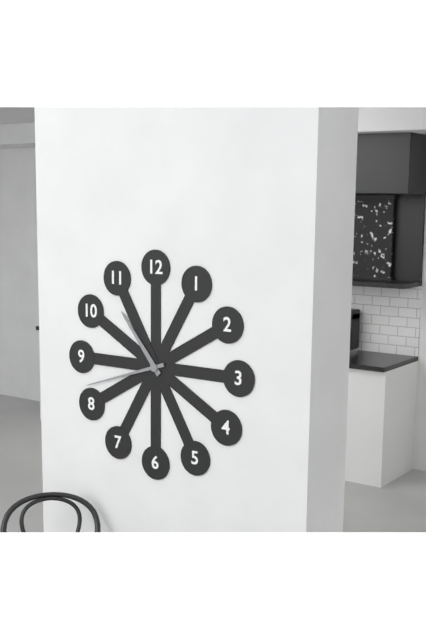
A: 10:42
